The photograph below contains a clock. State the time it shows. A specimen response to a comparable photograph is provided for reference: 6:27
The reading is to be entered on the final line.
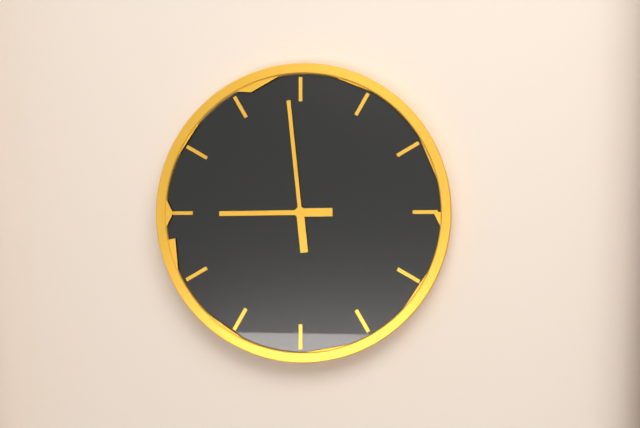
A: 8:59
